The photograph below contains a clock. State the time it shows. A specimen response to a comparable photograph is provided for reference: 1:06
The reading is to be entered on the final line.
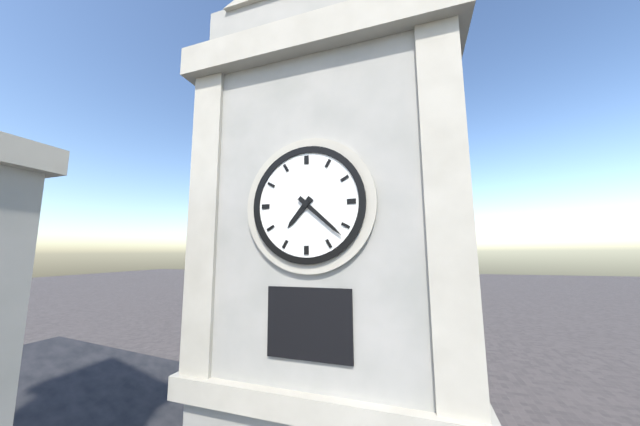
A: 7:22
